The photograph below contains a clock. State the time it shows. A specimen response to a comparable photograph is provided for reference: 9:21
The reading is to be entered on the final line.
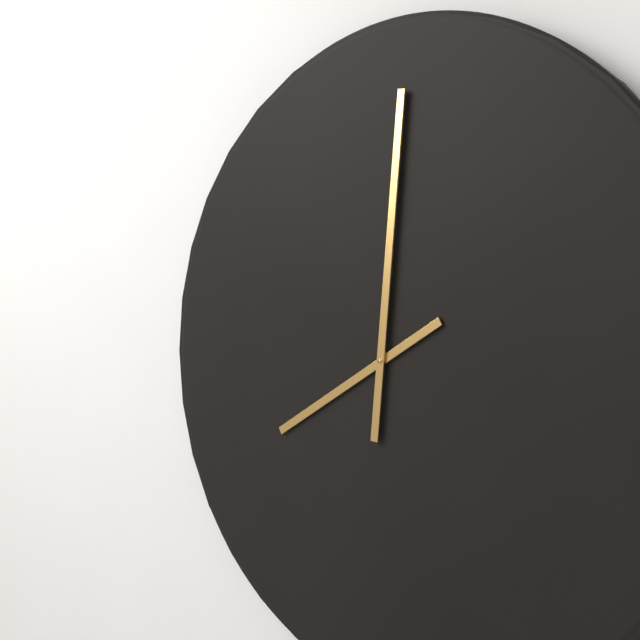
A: 8:01
